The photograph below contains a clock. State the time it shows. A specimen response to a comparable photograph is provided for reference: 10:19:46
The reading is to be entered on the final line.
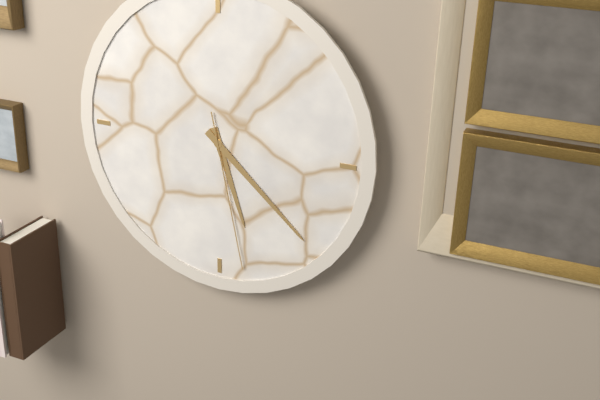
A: 5:22:28
